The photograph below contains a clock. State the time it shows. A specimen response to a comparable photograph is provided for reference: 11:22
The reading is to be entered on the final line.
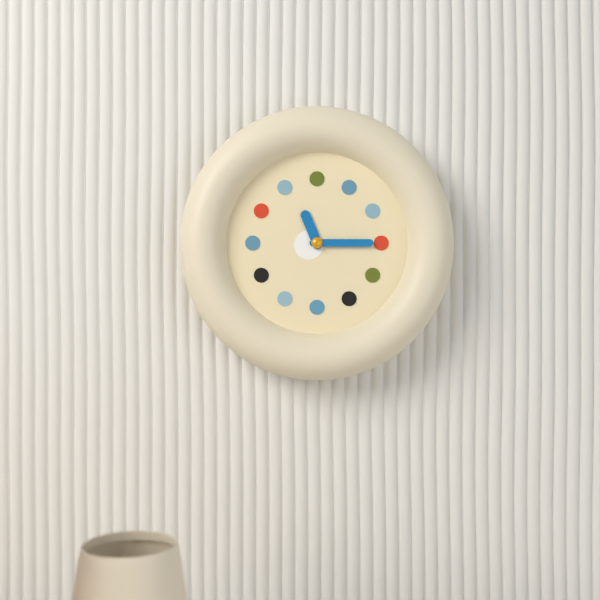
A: 11:15
